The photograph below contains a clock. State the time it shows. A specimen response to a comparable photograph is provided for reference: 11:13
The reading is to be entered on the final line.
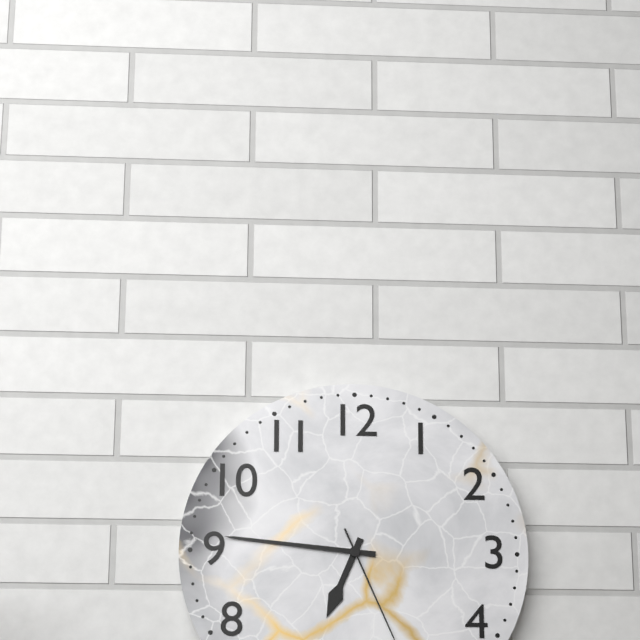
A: 6:46
